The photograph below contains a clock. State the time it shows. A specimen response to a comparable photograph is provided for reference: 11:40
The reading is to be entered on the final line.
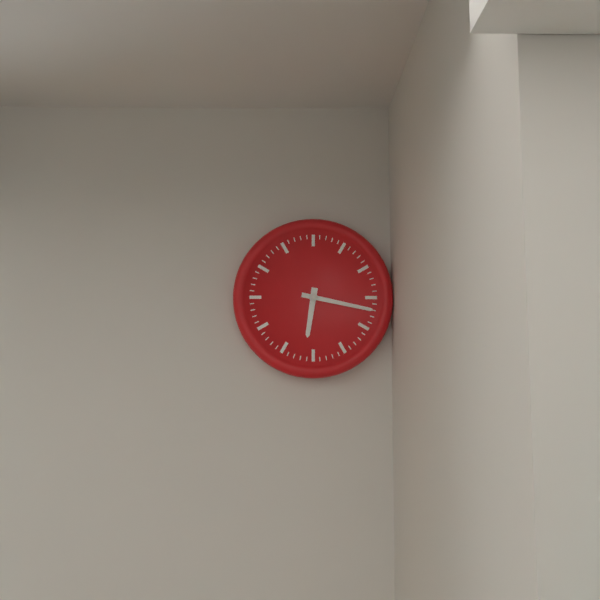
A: 6:17
